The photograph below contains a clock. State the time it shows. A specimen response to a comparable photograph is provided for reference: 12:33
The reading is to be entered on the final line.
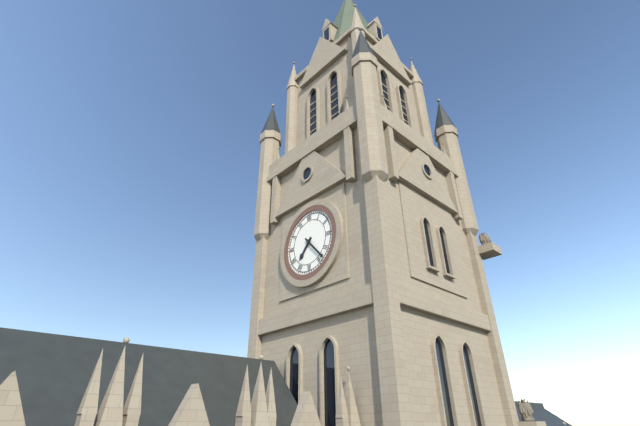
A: 7:23
